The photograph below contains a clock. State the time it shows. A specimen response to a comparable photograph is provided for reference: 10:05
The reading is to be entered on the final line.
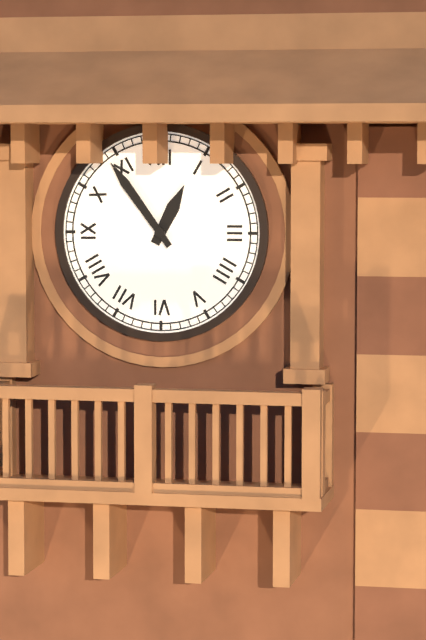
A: 12:54
